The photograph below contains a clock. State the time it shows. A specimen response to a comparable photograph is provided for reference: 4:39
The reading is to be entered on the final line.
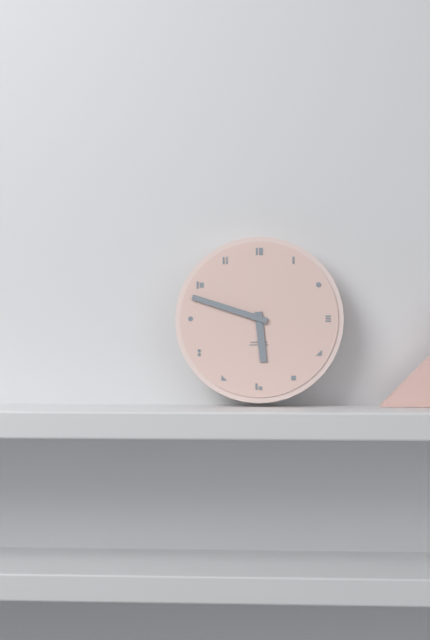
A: 5:48
